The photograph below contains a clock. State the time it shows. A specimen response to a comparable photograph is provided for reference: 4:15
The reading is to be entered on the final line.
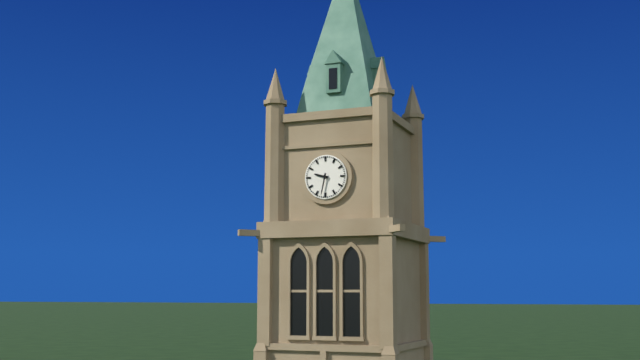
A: 9:32
